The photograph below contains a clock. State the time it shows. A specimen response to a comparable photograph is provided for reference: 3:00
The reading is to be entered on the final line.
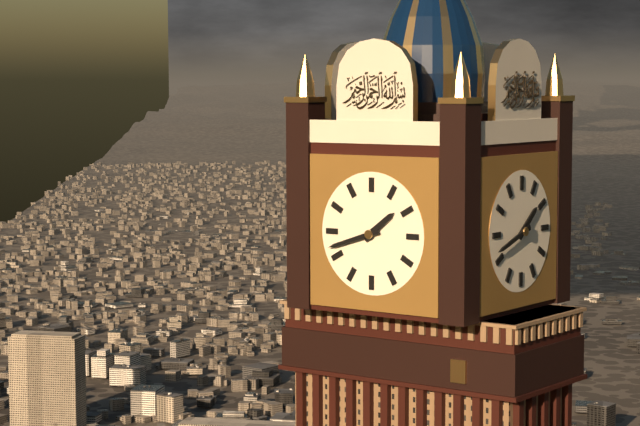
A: 1:42
